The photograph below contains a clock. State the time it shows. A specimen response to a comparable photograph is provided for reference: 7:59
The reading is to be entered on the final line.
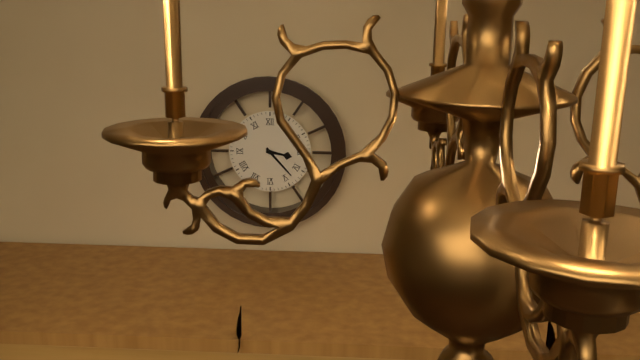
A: 3:23
